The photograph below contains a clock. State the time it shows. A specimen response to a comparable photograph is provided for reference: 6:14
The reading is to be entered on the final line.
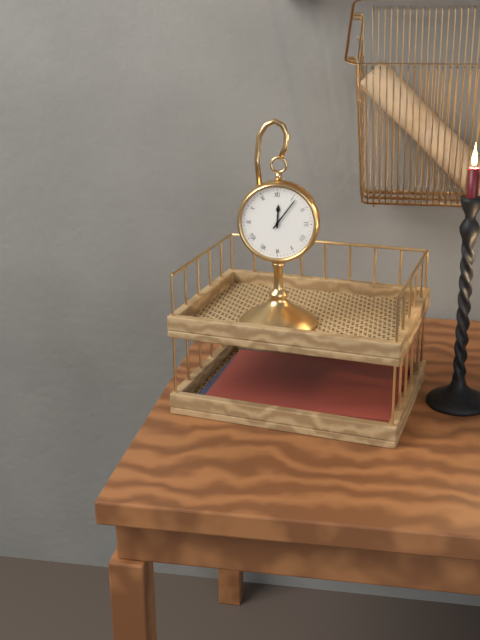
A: 12:06
